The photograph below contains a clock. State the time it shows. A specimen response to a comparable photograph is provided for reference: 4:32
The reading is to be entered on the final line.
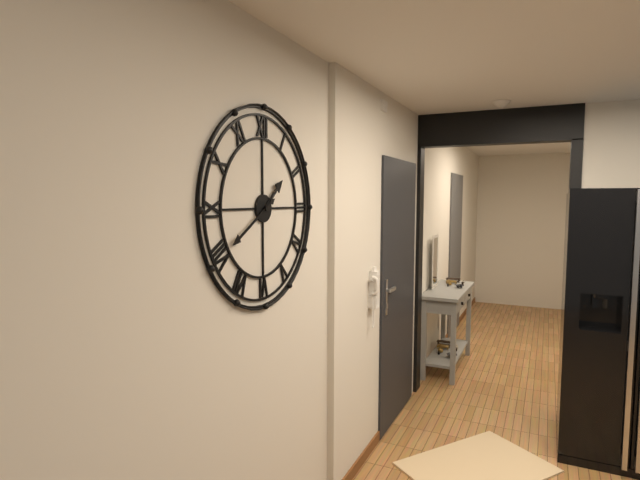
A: 1:40
